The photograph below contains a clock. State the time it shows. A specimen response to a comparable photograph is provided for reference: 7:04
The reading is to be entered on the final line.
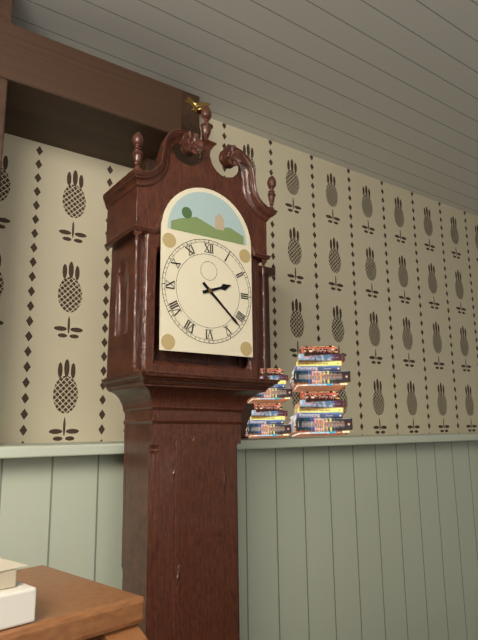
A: 2:22
